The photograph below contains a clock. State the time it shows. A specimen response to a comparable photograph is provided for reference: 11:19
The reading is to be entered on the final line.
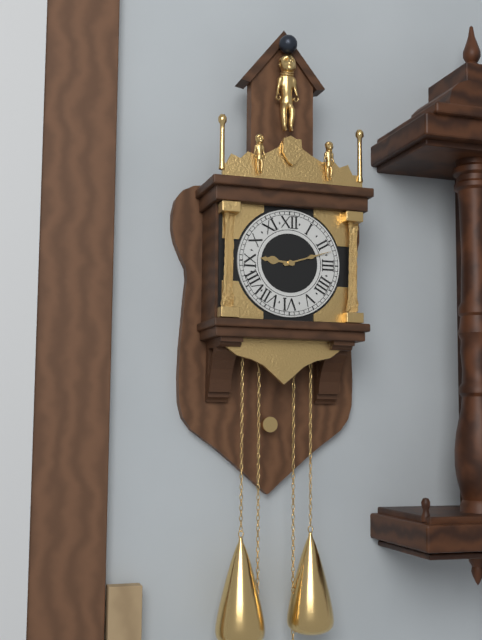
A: 9:12
